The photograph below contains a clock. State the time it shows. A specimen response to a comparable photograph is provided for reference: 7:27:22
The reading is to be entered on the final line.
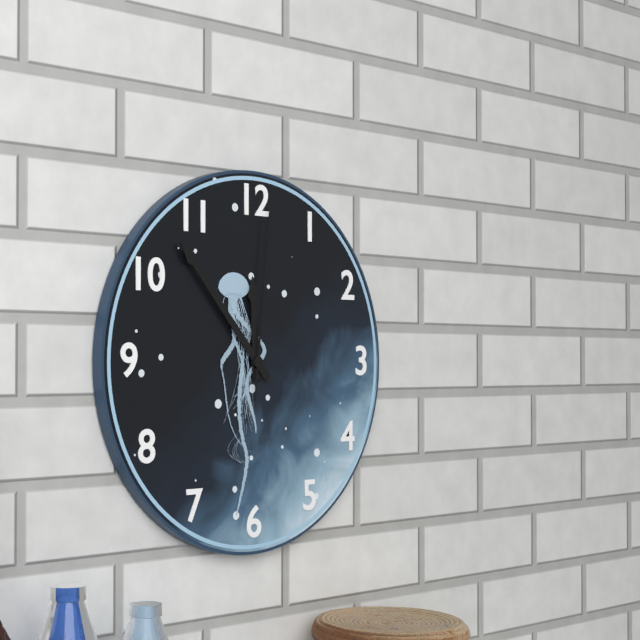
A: 11:53:01
